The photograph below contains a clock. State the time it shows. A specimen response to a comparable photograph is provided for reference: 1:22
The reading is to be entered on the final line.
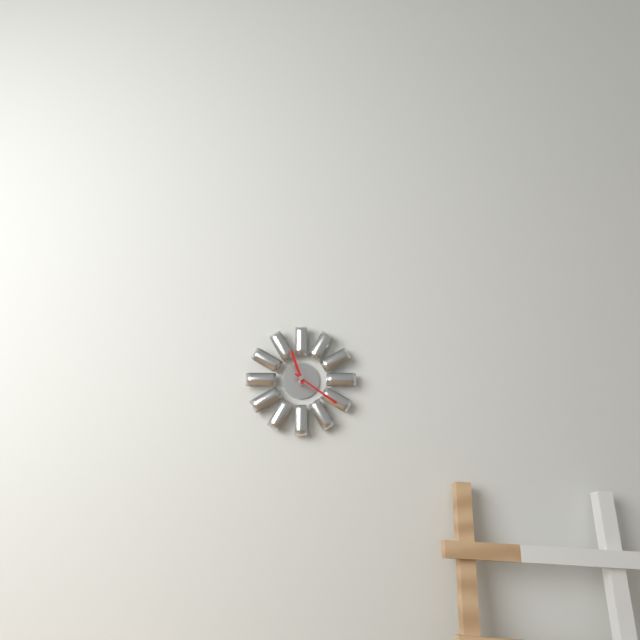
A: 11:21
